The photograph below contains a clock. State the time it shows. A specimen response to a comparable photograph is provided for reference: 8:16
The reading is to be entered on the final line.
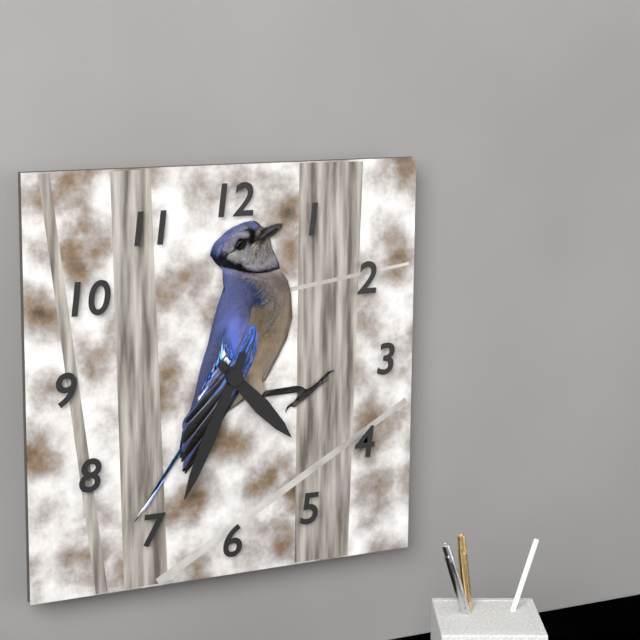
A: 4:34
